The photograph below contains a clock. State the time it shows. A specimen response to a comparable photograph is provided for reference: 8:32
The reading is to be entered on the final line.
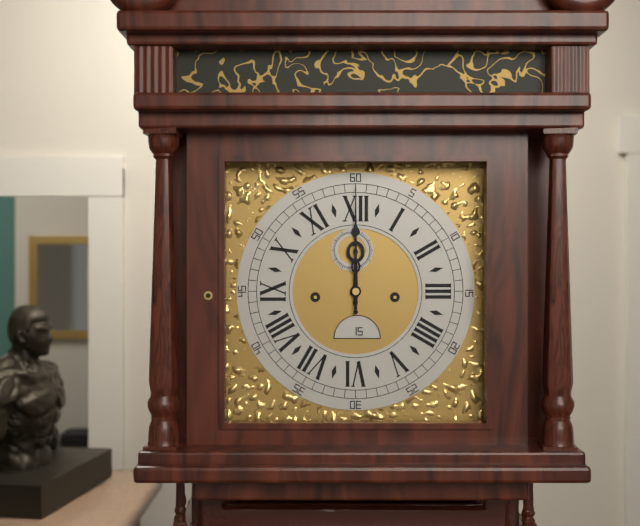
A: 12:00
